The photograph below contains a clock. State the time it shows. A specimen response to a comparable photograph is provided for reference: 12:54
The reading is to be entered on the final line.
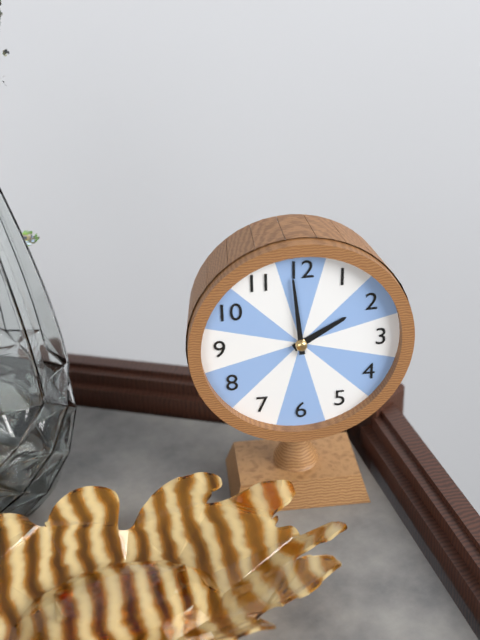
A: 1:59
